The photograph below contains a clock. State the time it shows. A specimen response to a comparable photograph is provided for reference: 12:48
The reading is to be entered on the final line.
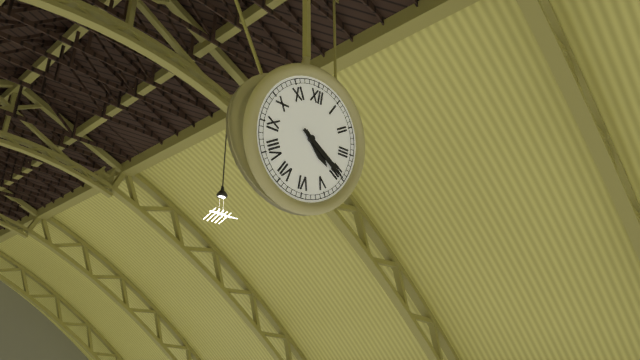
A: 4:20
